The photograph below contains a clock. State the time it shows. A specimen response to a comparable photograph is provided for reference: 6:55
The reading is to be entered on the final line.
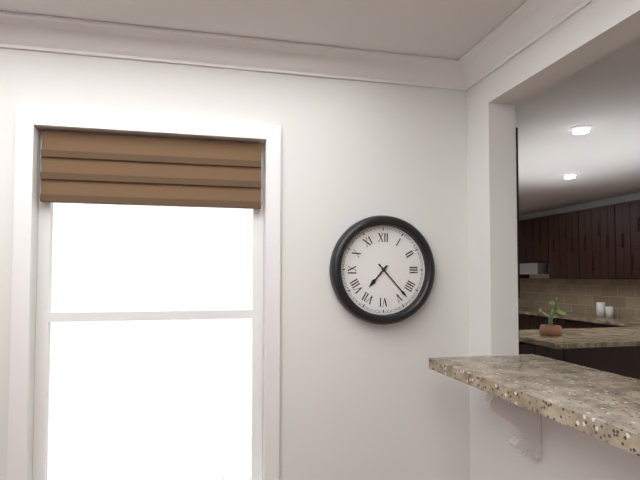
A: 7:23
